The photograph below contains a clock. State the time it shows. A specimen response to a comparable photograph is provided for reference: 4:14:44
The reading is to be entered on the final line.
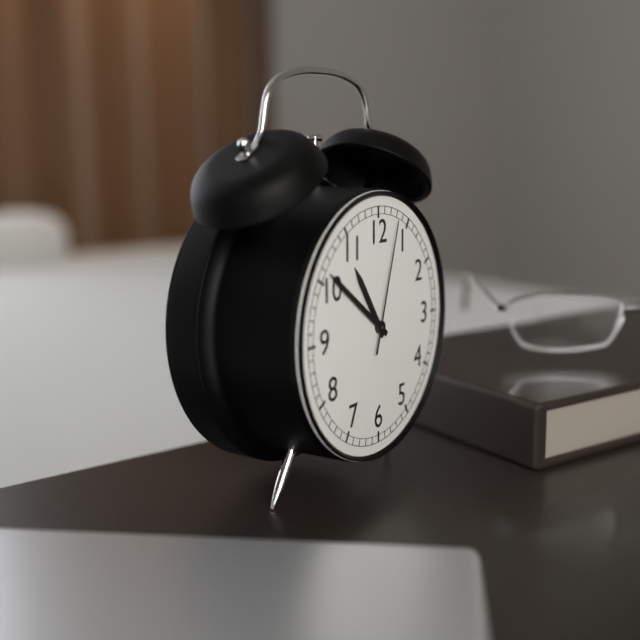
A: 10:51:03
